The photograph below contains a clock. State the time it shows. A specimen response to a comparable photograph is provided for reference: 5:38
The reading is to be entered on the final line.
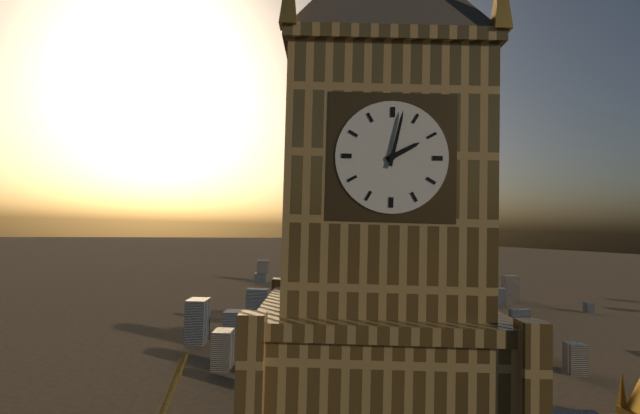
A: 2:02
